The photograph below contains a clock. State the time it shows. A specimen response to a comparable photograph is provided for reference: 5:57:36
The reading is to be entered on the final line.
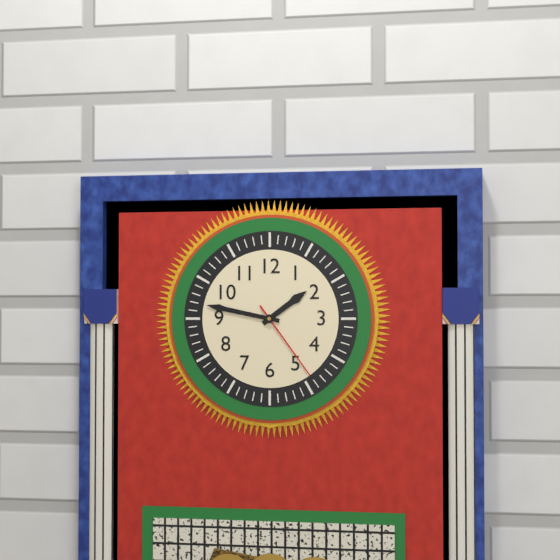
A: 1:47:24
